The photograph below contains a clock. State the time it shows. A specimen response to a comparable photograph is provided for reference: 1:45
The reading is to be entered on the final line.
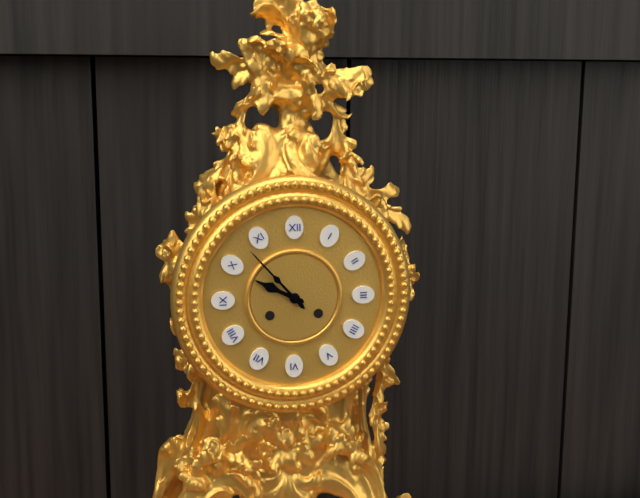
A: 9:53
